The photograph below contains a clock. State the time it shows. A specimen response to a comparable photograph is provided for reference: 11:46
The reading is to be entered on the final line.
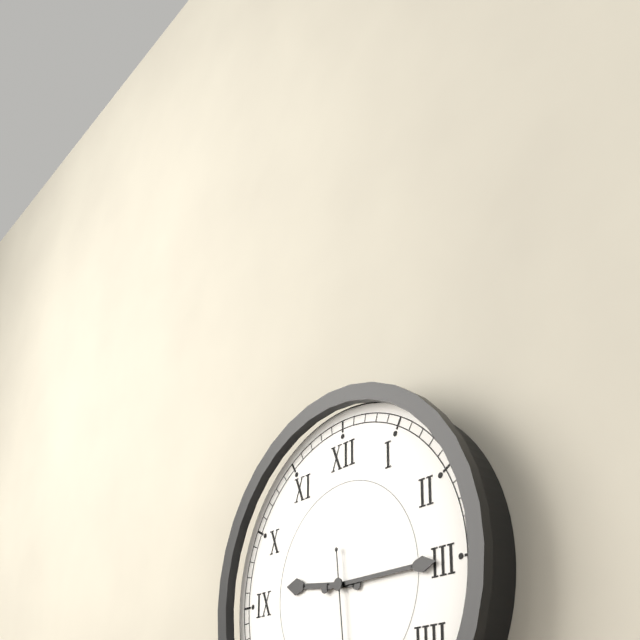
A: 9:15
